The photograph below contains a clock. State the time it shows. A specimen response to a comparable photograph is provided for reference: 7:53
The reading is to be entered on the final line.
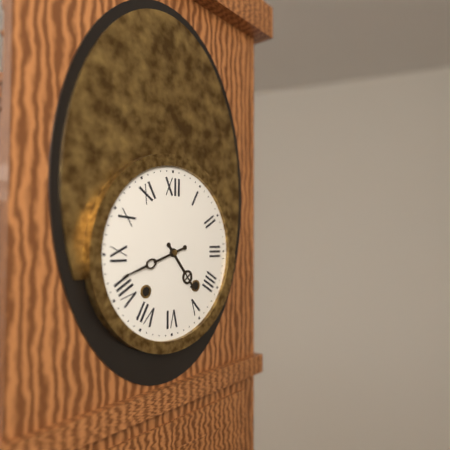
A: 4:42
